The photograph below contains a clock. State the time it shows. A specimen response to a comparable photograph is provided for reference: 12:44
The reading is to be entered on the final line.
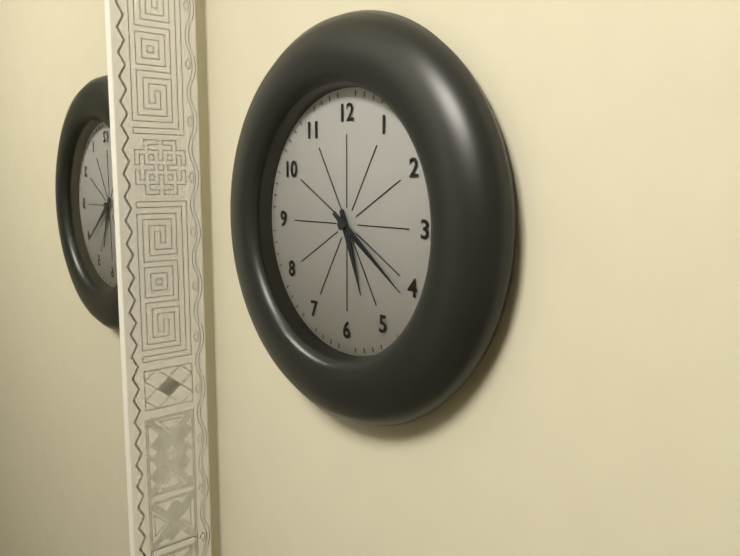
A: 5:21
